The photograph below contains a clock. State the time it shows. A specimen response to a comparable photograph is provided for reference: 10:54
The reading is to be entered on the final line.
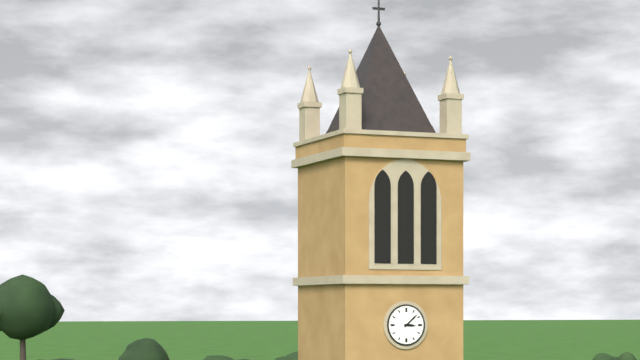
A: 3:08
